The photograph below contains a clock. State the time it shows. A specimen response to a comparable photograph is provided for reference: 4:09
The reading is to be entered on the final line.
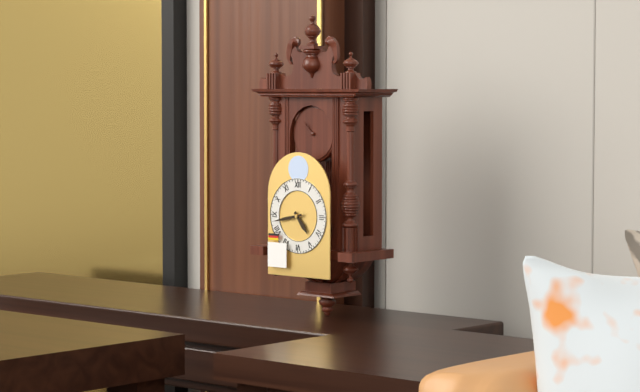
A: 4:43
